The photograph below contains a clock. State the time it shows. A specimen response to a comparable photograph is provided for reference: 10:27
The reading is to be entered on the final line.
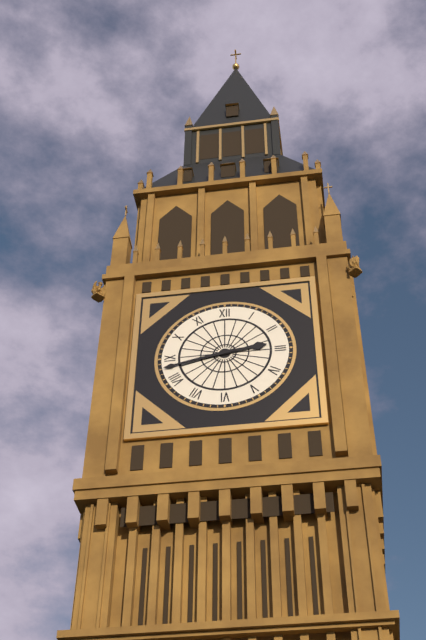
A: 2:43
